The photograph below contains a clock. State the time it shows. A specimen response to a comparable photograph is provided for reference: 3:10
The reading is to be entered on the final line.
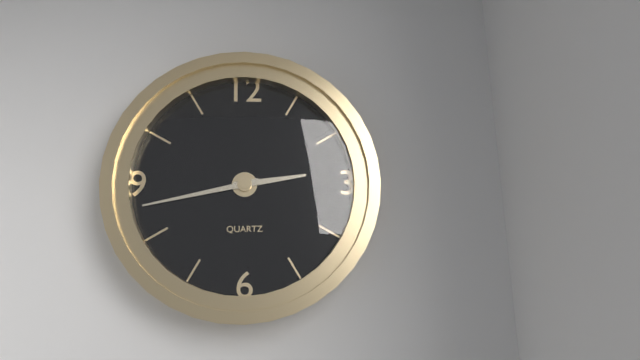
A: 2:43
